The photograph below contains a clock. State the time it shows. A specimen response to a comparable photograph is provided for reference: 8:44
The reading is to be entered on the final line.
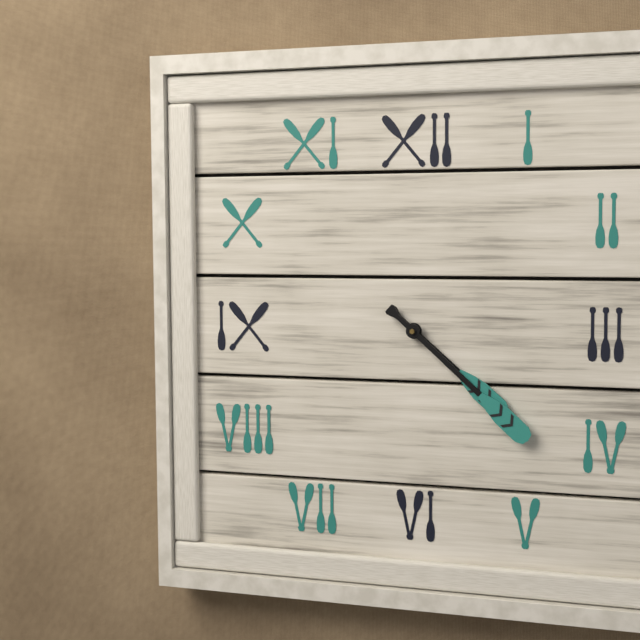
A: 4:22
